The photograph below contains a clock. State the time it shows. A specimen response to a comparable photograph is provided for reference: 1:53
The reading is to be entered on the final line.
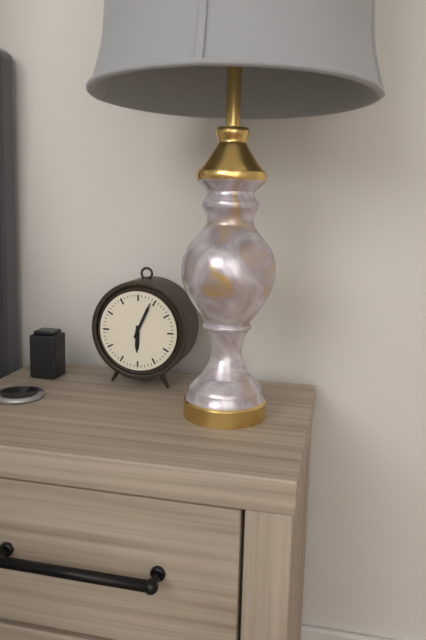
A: 6:04
